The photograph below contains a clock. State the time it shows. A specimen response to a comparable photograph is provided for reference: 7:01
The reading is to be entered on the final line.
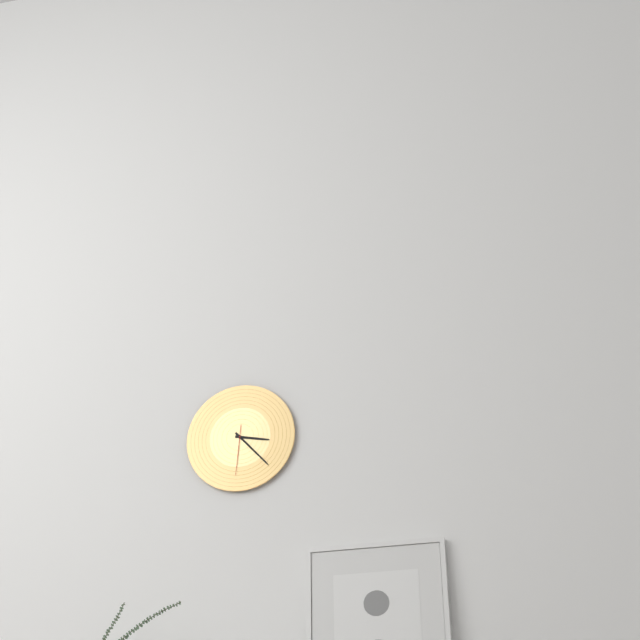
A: 3:23
